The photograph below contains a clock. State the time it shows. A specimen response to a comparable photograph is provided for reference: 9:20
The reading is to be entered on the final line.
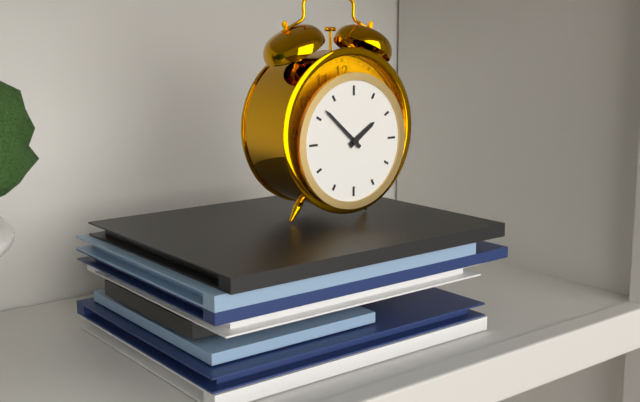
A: 1:52
